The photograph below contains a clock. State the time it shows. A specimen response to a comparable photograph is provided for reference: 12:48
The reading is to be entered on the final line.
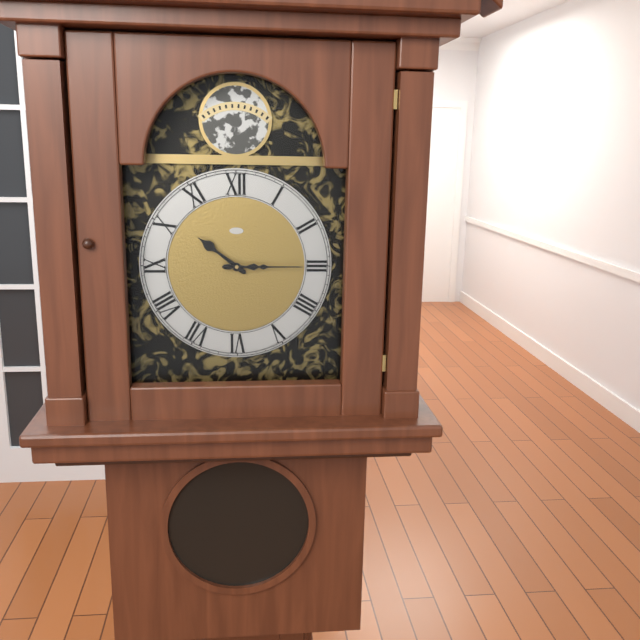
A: 10:15
